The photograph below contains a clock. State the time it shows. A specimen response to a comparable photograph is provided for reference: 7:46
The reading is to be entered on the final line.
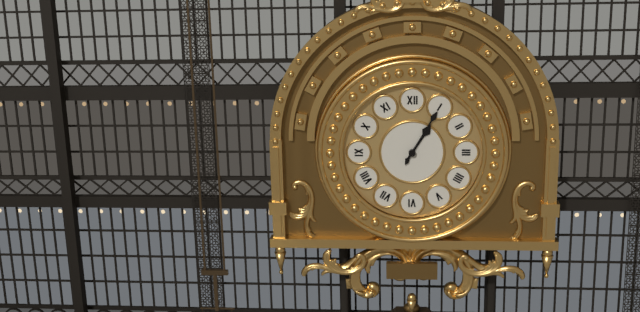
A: 1:05
